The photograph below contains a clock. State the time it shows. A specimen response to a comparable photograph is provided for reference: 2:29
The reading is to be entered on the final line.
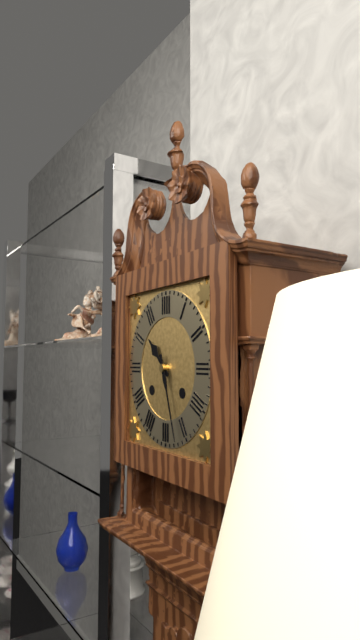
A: 10:27
